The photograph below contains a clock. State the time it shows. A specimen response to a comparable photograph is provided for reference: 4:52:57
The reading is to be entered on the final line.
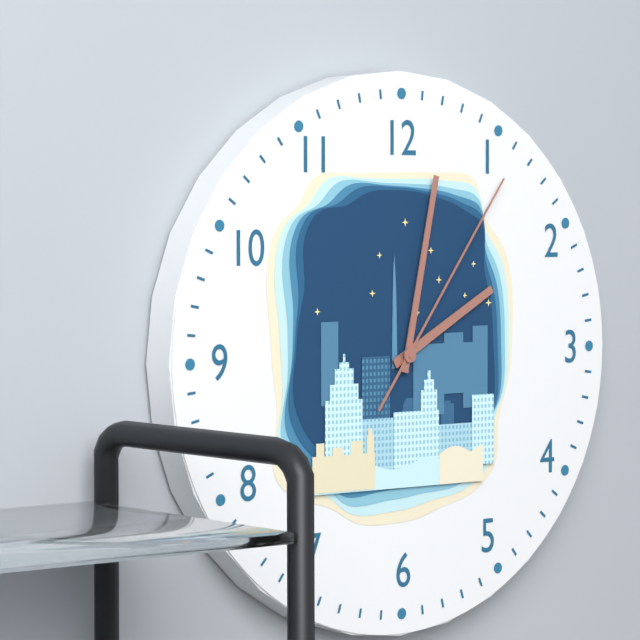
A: 2:02:06
